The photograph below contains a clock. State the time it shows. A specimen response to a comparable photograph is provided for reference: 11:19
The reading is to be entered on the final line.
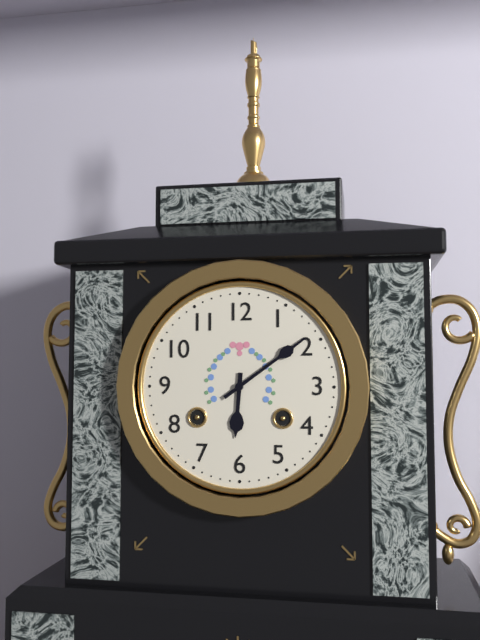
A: 6:09
